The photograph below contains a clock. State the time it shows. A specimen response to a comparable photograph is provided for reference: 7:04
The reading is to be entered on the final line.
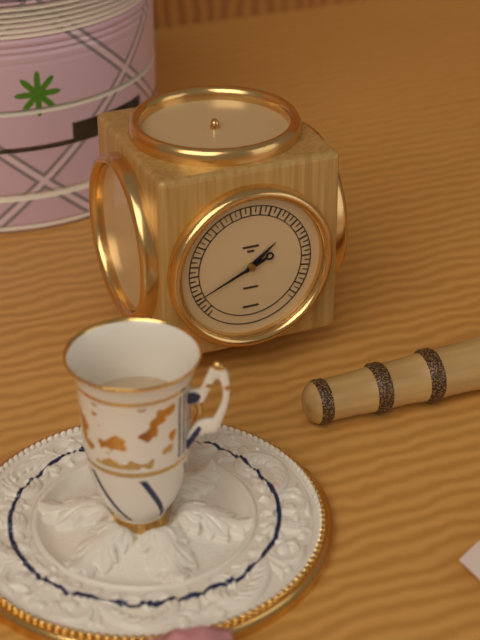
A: 1:41
